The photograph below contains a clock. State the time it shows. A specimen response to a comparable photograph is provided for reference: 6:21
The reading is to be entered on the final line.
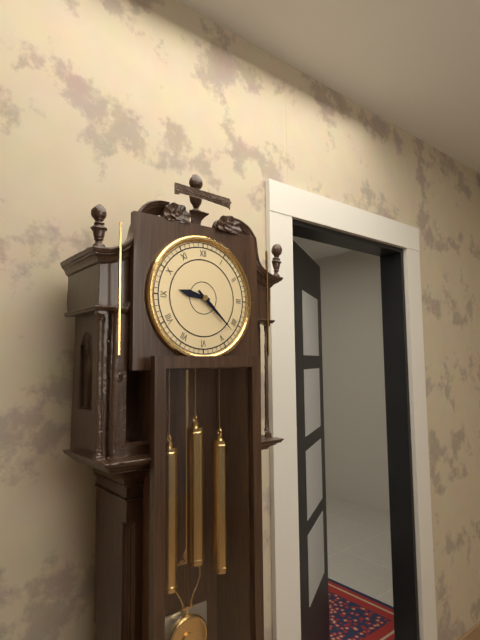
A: 9:22
